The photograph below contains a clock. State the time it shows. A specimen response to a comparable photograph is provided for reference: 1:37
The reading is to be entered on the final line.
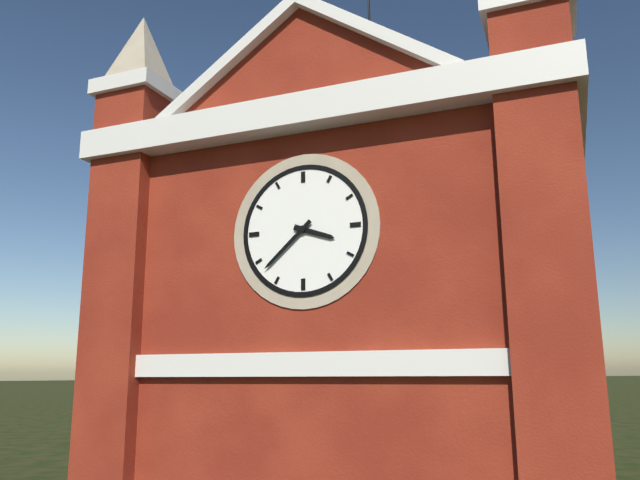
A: 3:38
